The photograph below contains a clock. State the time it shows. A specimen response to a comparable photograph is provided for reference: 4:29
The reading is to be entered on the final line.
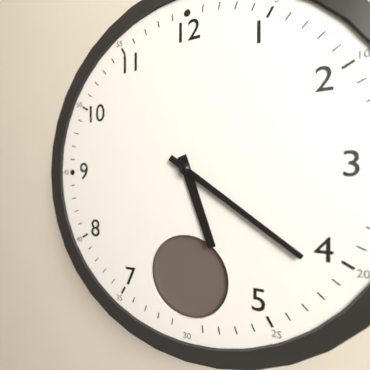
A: 5:21
